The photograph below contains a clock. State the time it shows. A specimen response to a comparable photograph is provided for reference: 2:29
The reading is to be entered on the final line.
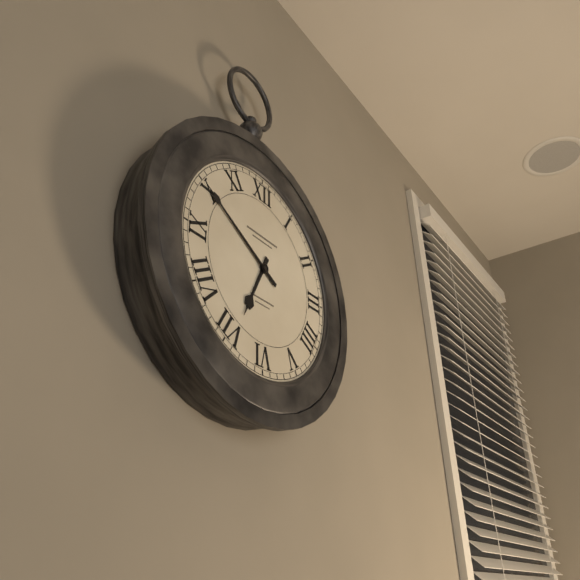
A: 6:50
